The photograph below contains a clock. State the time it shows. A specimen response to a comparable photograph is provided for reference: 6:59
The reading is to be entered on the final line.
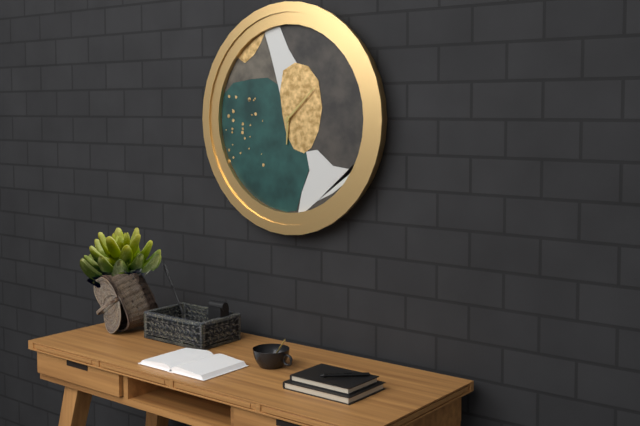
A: 6:08
